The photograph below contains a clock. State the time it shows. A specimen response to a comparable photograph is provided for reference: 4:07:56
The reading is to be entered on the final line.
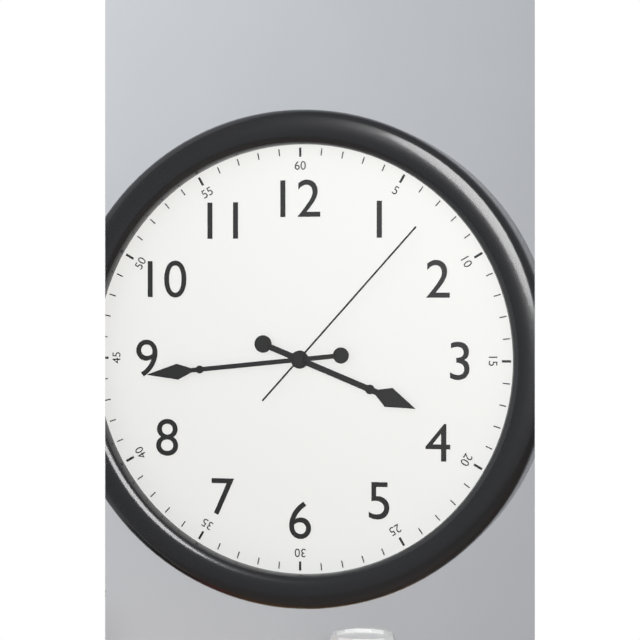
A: 3:44:07
